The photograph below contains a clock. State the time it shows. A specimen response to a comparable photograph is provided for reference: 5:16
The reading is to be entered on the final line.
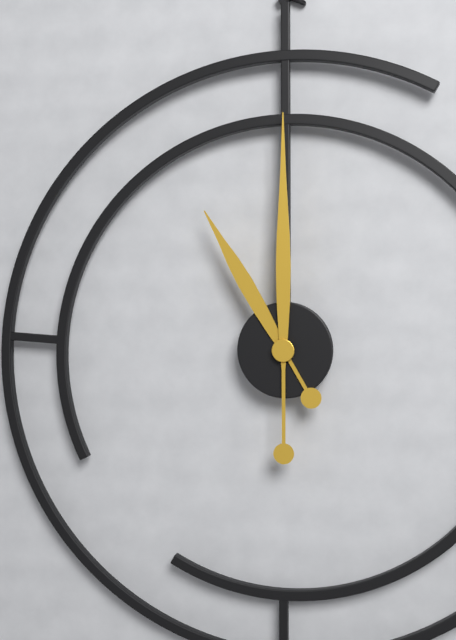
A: 11:00
